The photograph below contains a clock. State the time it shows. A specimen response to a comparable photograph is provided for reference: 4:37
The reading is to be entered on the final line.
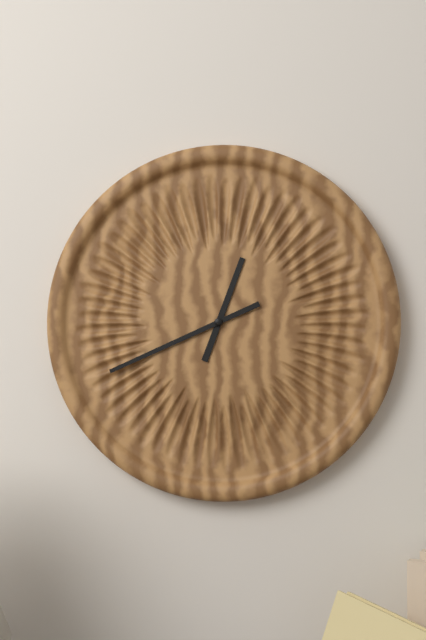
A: 12:41
